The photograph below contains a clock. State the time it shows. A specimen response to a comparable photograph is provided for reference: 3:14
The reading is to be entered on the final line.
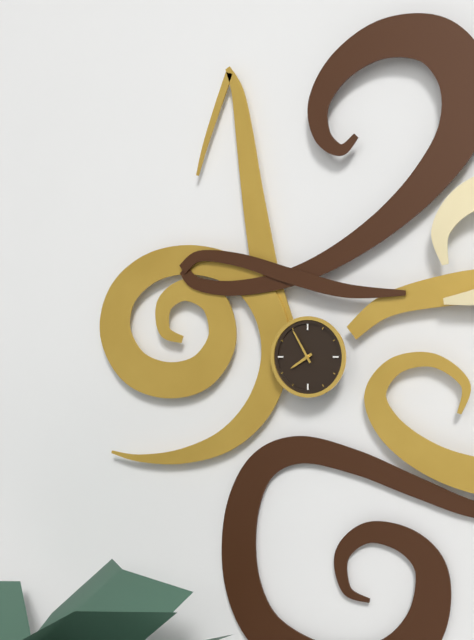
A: 7:55
